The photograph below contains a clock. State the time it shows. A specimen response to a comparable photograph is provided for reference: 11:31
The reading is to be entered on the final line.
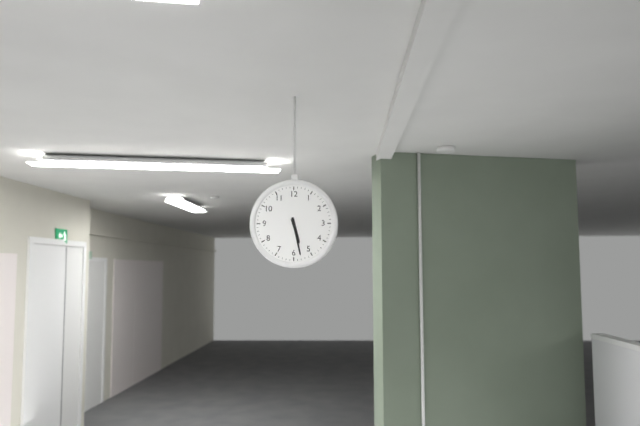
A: 5:28
